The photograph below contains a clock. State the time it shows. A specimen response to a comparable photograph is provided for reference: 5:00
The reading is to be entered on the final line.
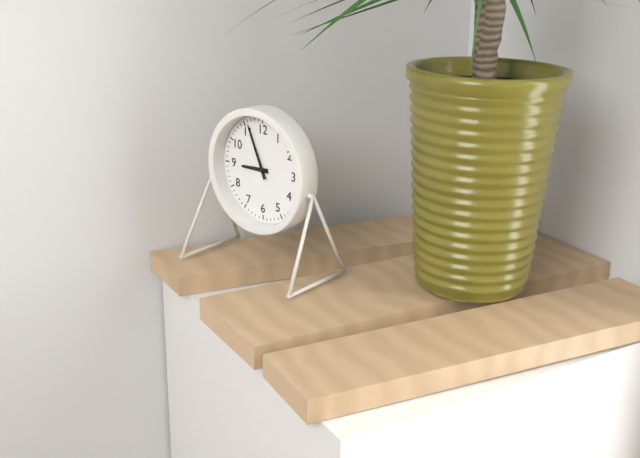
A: 8:56
